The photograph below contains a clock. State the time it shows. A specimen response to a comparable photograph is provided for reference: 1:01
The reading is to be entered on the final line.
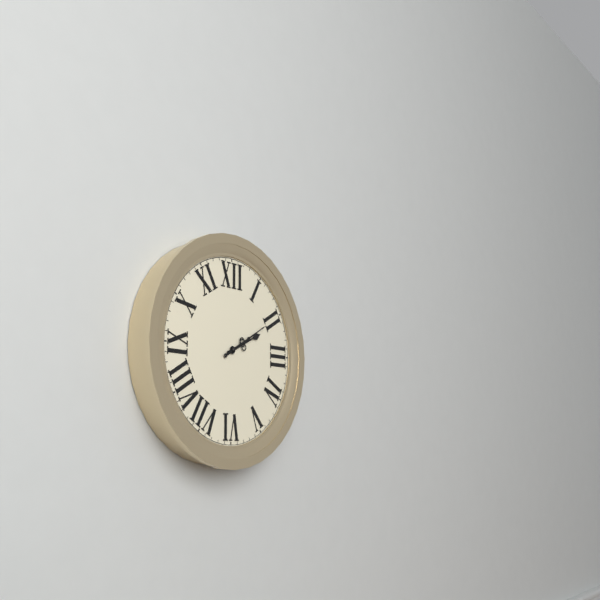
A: 2:10
